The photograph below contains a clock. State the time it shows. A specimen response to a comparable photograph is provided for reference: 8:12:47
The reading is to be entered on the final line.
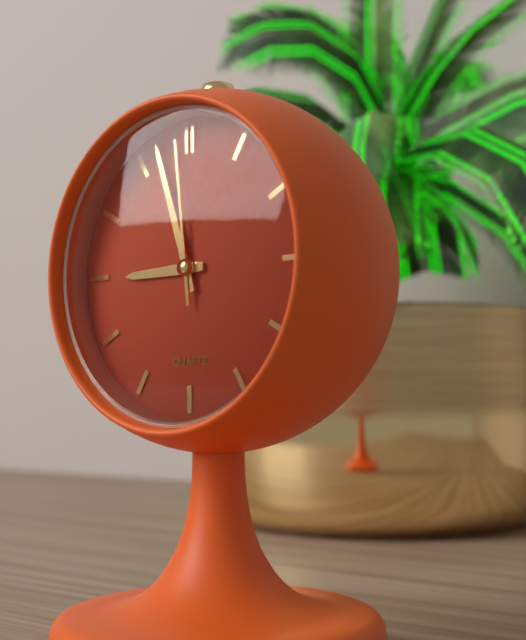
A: 8:57:59
